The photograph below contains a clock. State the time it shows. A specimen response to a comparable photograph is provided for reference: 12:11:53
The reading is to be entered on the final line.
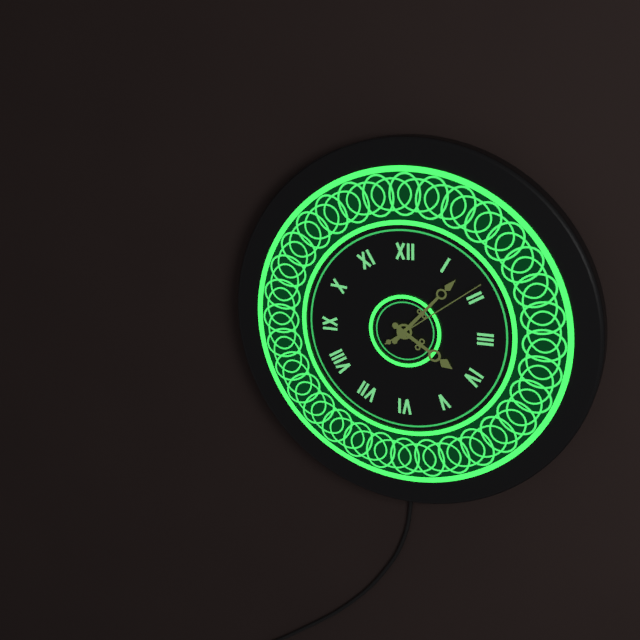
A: 4:07:09
